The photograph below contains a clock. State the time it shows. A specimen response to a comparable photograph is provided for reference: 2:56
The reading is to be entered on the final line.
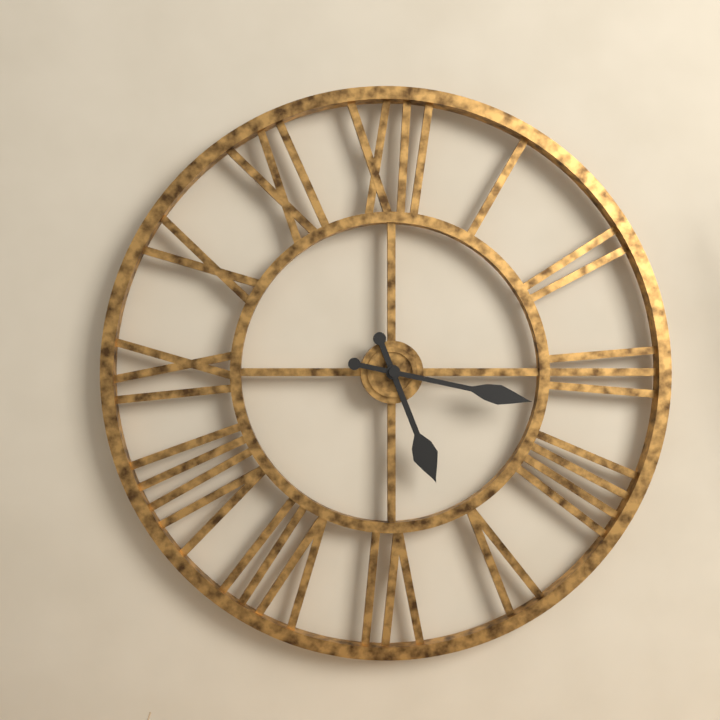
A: 5:17
